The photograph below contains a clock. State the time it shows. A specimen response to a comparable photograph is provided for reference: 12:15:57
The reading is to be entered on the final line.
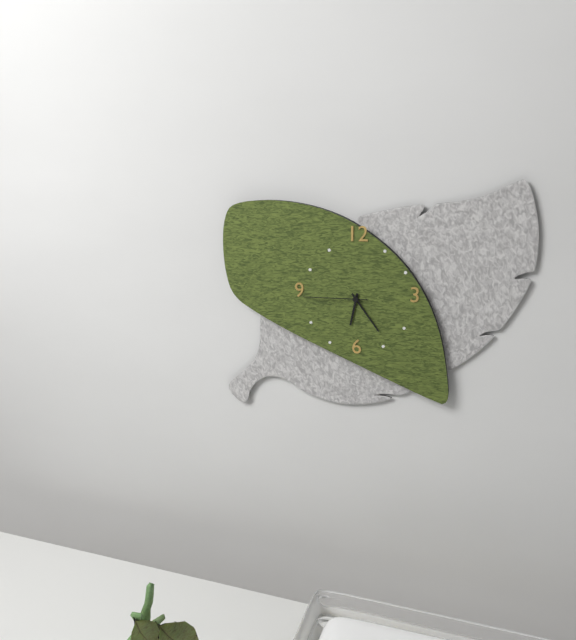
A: 6:24:45
